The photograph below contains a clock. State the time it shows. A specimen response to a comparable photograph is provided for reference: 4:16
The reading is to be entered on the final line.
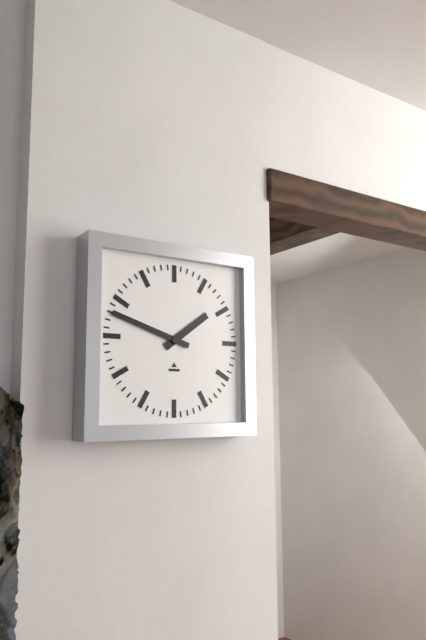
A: 1:48
